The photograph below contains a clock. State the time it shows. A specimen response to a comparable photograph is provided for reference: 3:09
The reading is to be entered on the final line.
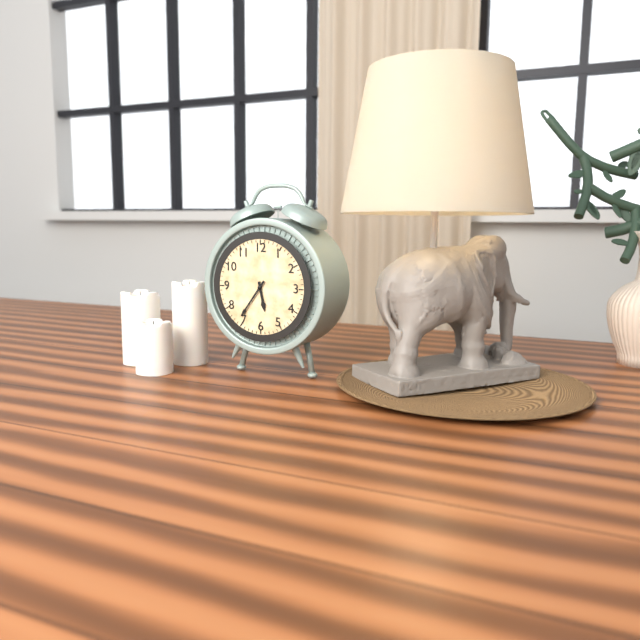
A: 5:36
